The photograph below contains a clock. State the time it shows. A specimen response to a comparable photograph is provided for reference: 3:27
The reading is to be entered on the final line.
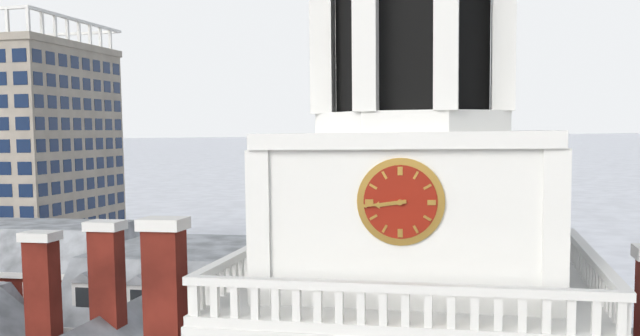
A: 8:44
